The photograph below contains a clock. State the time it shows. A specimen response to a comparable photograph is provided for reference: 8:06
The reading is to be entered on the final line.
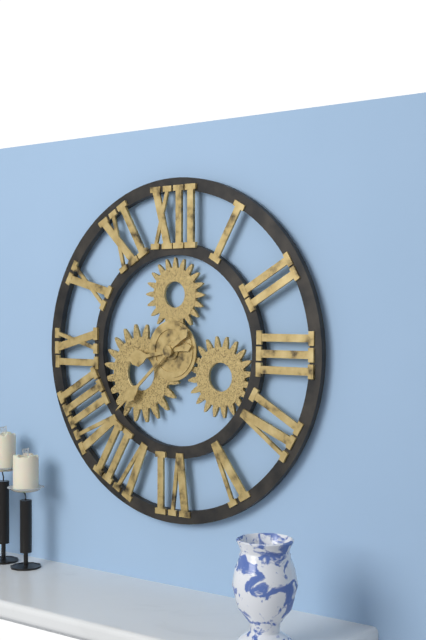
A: 8:38
